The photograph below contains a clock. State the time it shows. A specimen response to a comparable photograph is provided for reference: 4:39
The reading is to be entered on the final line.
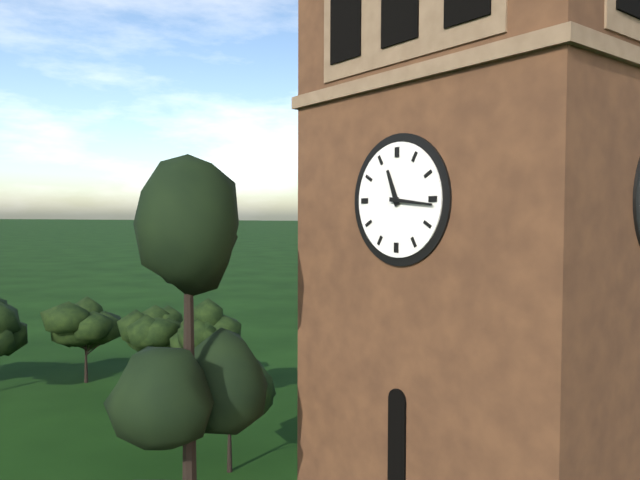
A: 11:16
